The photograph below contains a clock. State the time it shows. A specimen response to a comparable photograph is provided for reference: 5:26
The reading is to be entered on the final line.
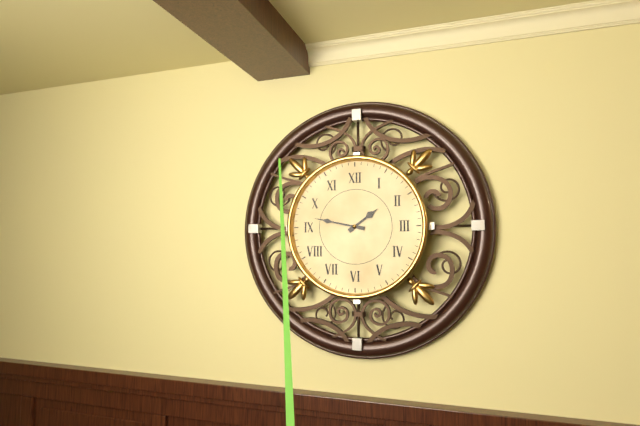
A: 1:47
